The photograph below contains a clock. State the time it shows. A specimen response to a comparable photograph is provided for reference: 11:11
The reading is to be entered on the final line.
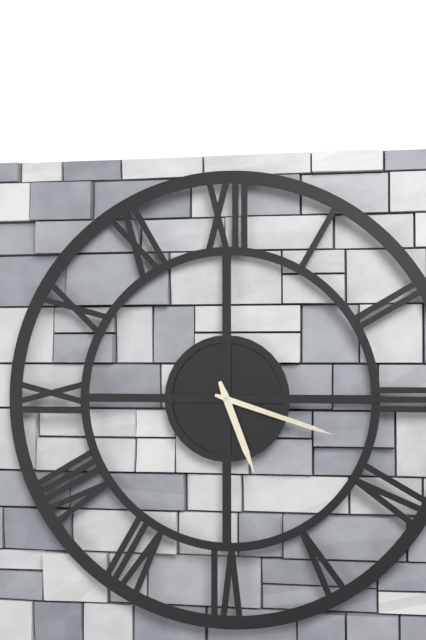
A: 5:18
